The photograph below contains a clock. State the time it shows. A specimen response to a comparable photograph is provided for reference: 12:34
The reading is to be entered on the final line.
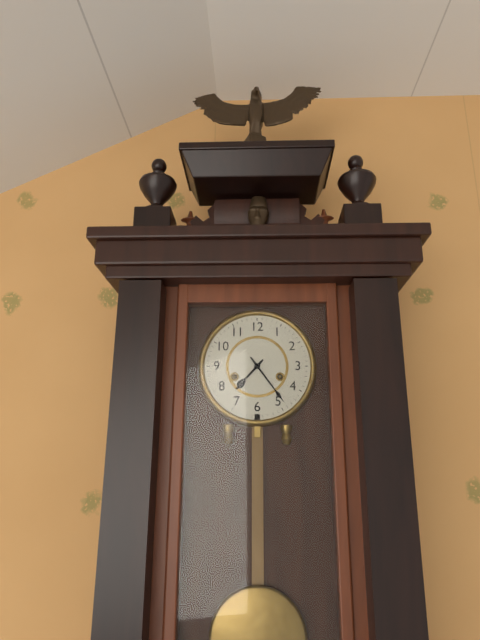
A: 7:24
